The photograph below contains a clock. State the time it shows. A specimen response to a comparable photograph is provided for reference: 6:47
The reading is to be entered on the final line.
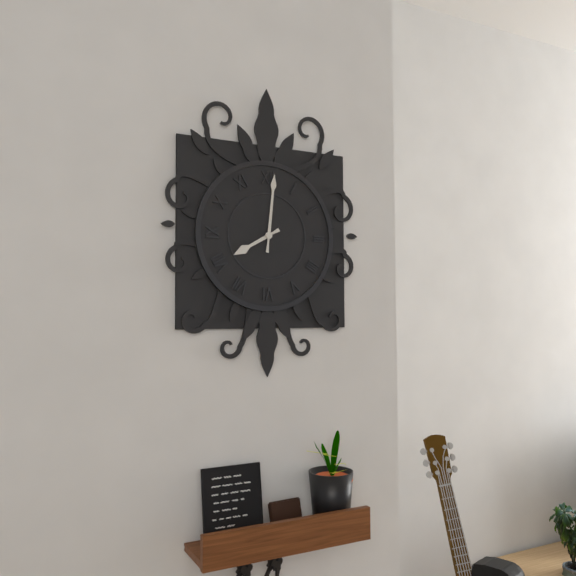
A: 8:01
